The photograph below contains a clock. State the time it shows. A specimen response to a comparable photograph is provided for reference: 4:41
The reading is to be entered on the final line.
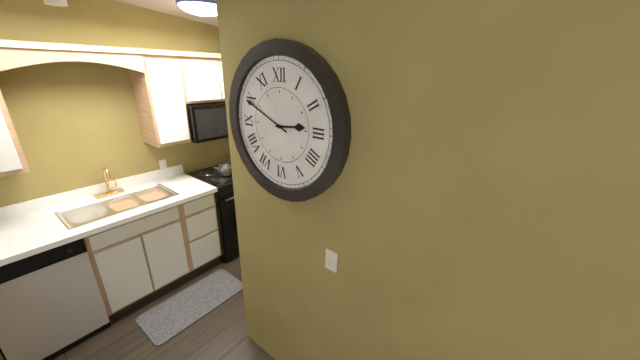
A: 2:49
